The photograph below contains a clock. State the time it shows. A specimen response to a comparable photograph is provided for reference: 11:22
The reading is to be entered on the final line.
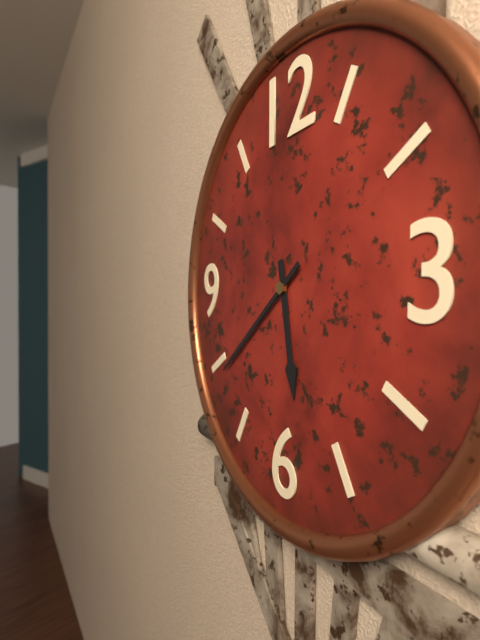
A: 5:39
